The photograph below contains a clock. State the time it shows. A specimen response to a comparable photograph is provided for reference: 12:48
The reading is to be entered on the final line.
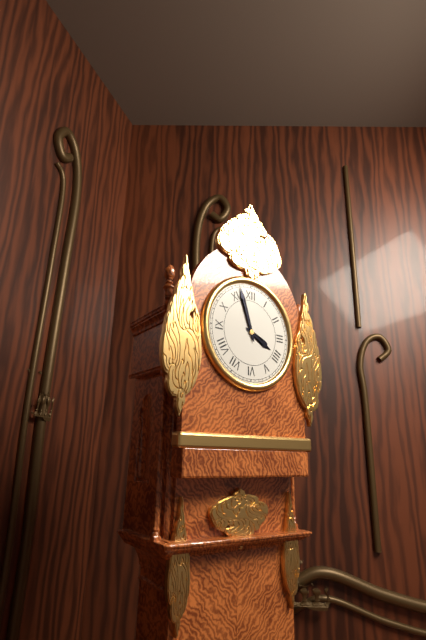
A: 3:57
